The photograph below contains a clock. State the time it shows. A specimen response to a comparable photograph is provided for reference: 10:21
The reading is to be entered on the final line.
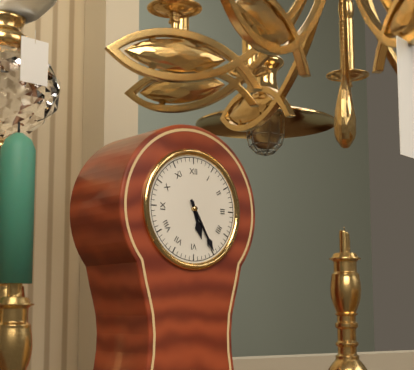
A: 5:25
